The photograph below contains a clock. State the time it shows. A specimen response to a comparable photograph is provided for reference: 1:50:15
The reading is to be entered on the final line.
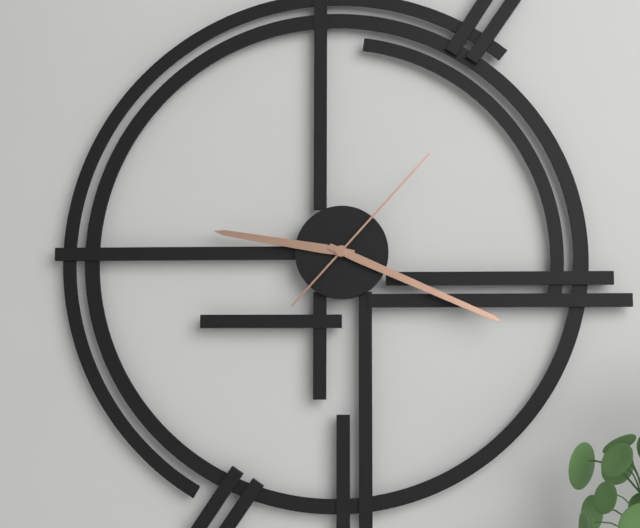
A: 9:19:07
